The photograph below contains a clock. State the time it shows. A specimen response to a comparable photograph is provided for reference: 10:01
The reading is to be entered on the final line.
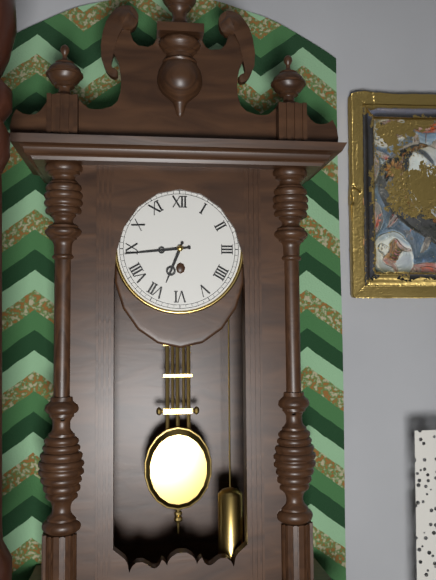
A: 6:44
